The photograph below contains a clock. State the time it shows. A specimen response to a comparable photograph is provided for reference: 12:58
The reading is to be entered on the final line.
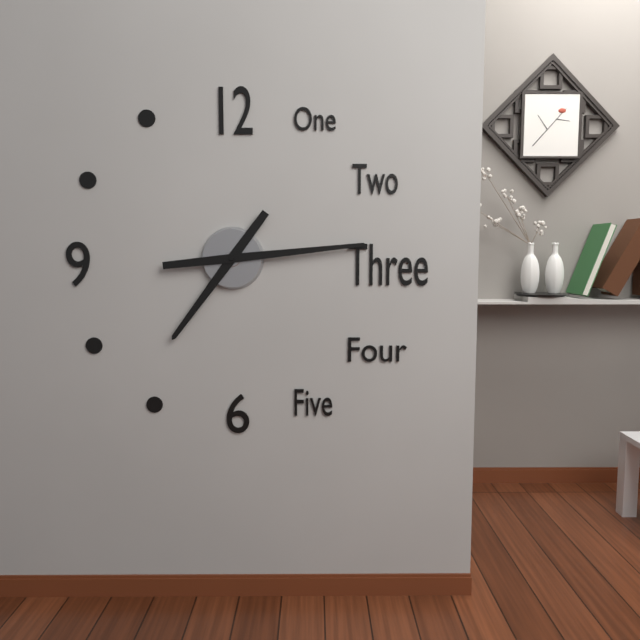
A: 7:14
